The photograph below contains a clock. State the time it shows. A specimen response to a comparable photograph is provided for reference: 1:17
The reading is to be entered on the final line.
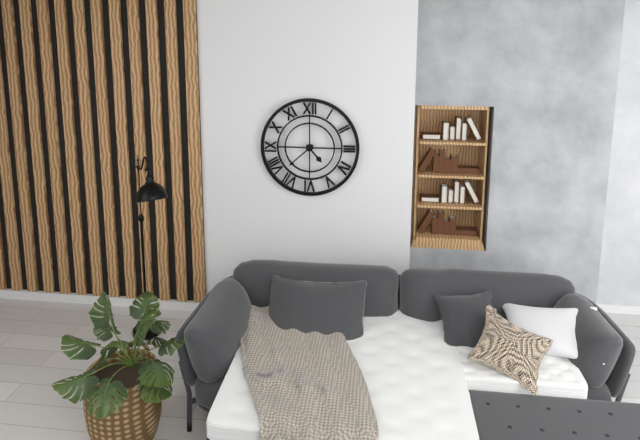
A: 4:38
